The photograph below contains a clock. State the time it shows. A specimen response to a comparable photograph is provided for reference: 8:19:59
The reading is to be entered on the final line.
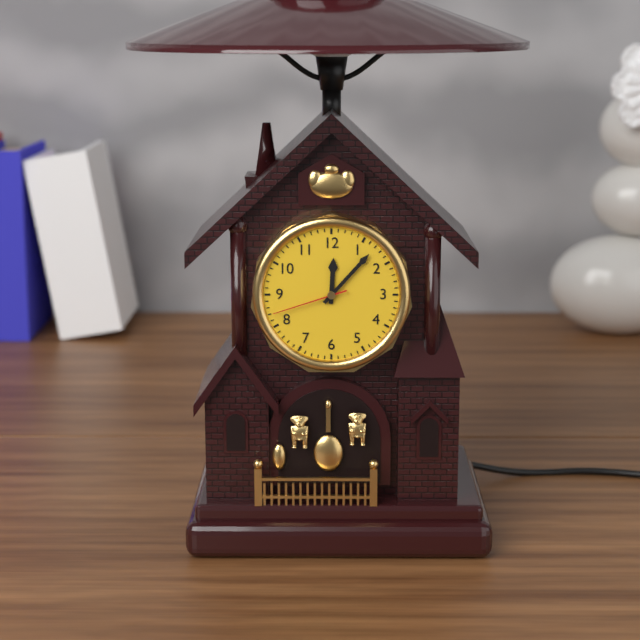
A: 12:07:42
